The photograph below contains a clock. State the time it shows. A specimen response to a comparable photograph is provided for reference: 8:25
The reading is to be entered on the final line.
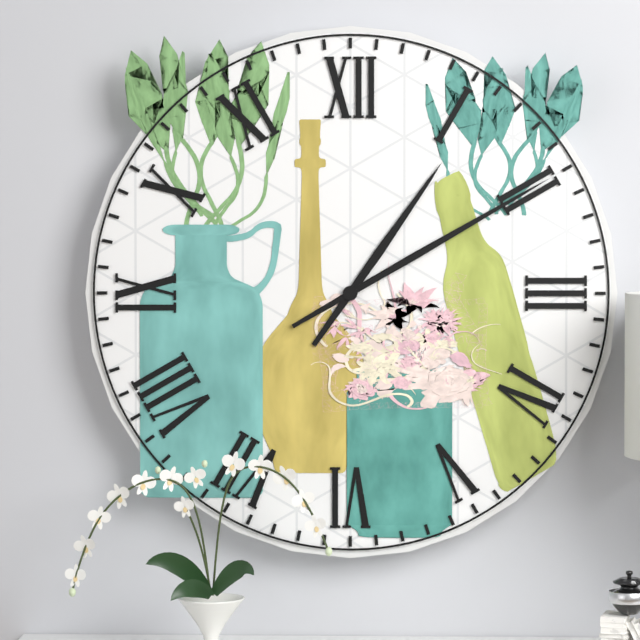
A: 1:10
